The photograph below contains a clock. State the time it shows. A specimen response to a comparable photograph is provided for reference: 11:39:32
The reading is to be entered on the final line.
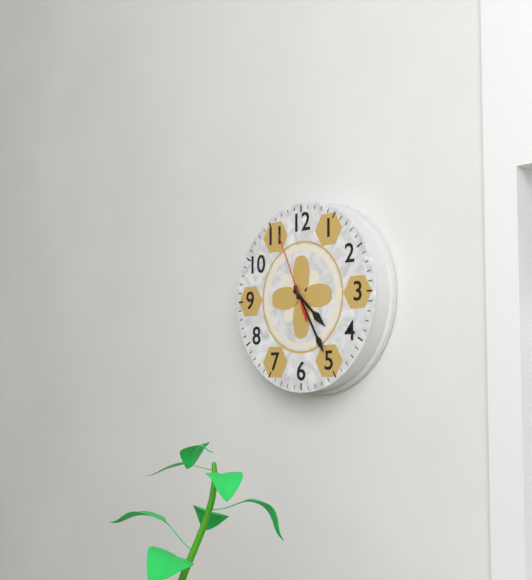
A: 4:25:56
